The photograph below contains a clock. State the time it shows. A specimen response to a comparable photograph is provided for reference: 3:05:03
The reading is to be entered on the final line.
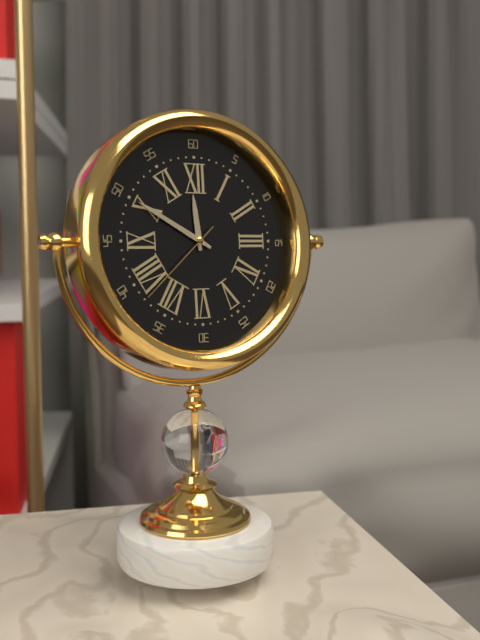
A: 11:50:38
